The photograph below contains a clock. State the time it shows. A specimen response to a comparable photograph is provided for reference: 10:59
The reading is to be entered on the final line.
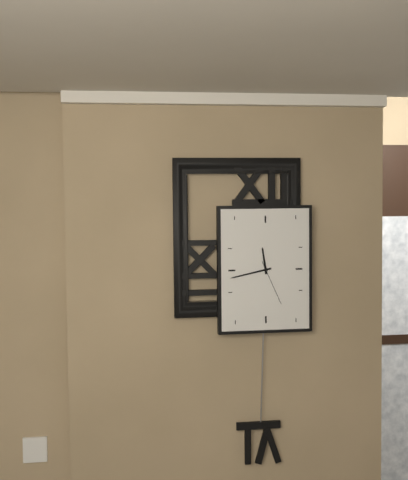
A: 11:43
